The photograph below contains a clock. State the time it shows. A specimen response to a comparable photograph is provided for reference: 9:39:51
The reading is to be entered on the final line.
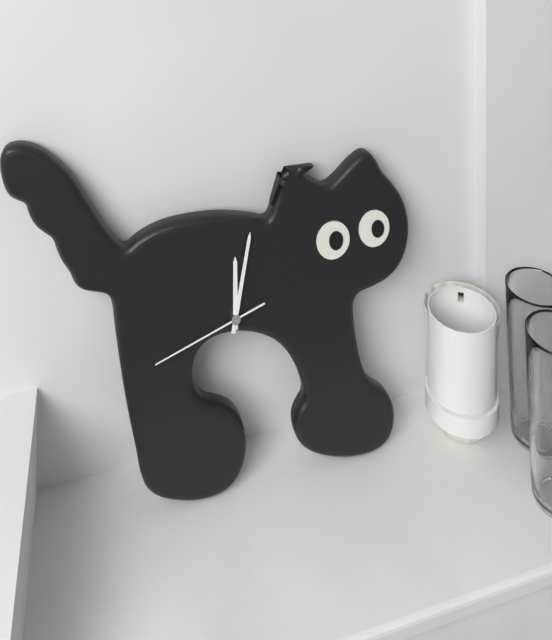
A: 12:02:42
